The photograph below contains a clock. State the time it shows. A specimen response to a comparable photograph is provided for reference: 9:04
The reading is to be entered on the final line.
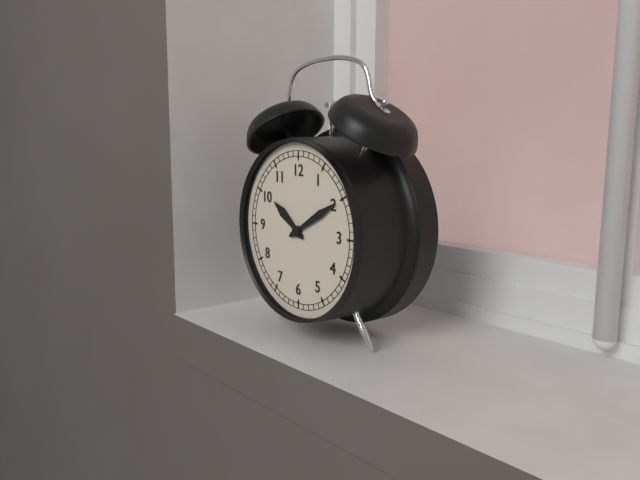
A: 10:10
